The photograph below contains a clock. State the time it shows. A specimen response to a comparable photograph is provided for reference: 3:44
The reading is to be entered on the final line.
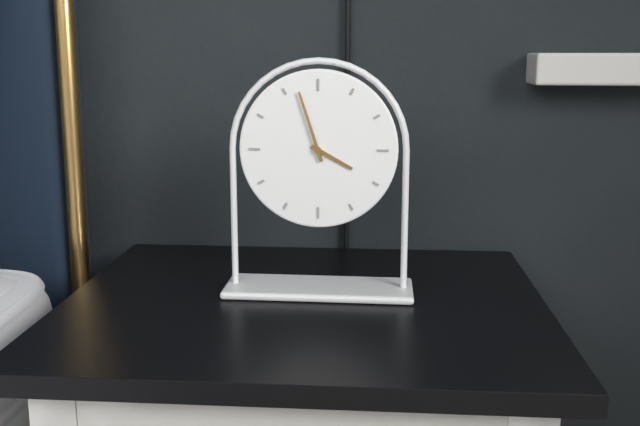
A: 3:57
